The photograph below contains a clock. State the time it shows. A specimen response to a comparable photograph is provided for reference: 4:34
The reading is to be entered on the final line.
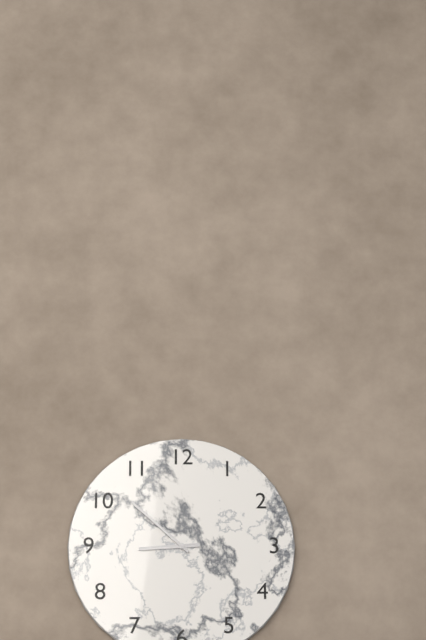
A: 8:52
